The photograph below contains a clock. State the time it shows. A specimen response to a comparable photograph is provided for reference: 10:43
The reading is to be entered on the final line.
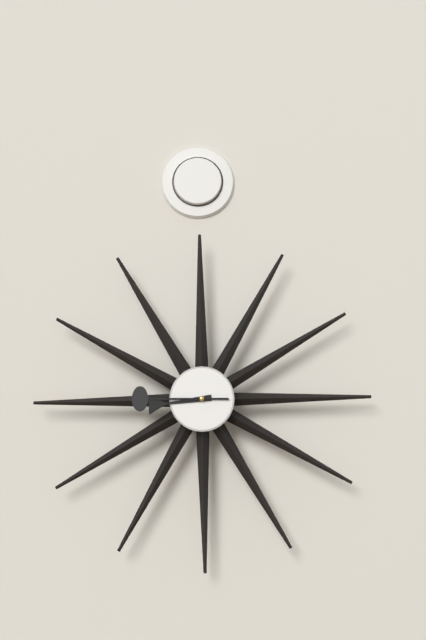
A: 8:45
